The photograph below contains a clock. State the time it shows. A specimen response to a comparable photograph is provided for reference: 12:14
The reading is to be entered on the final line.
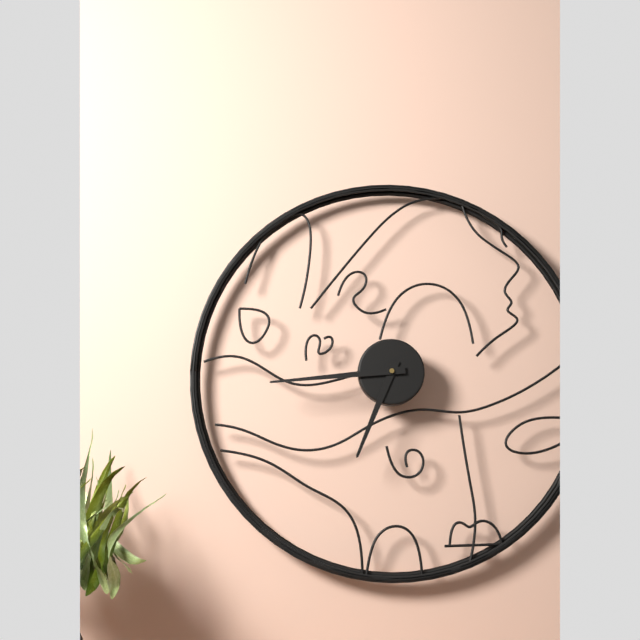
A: 6:44
